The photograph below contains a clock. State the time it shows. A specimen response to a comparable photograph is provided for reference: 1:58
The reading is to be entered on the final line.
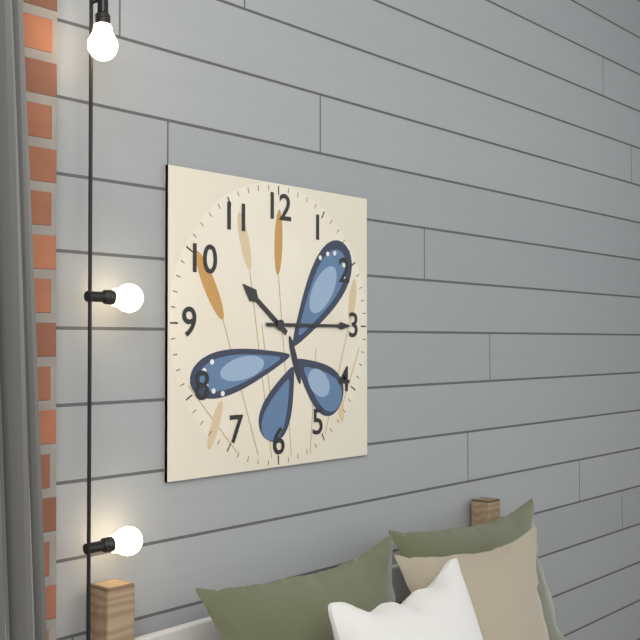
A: 10:15
